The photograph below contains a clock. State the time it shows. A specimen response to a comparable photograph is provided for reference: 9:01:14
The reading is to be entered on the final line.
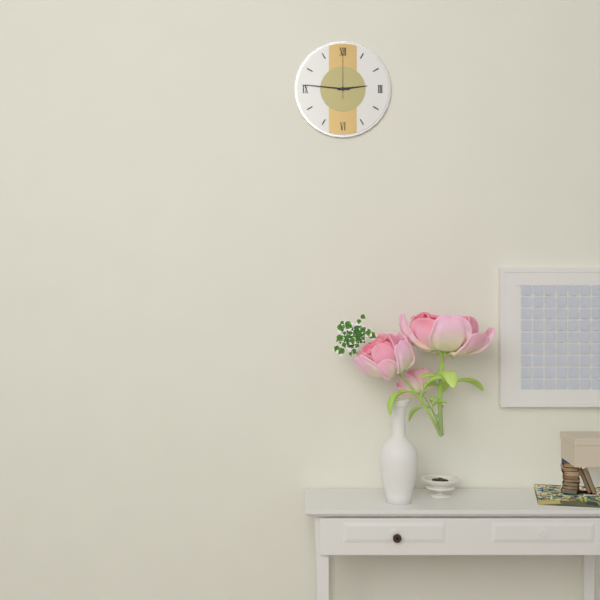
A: 2:46:00
